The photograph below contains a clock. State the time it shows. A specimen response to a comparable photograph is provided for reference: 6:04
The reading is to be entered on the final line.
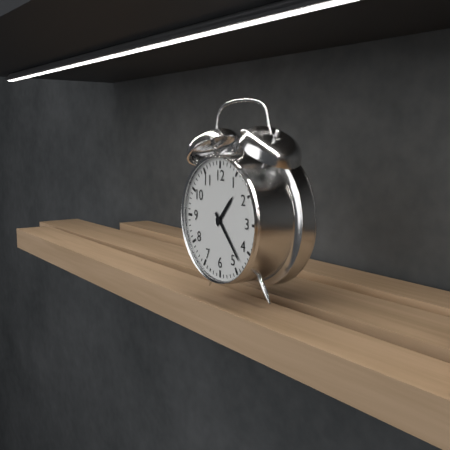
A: 1:23
